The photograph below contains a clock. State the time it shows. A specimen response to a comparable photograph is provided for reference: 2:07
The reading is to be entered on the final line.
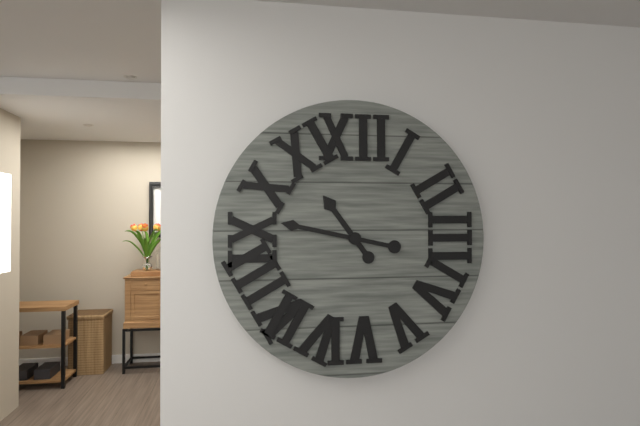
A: 10:47
